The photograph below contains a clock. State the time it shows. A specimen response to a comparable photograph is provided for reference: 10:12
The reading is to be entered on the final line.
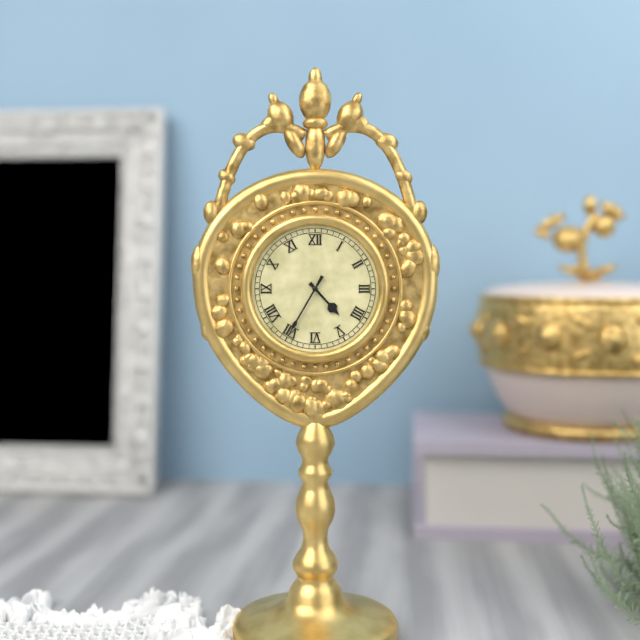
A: 4:35
